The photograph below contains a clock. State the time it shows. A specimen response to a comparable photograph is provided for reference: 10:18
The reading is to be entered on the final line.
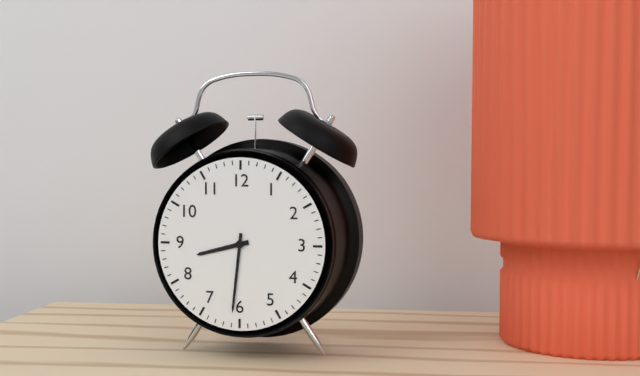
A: 8:31
